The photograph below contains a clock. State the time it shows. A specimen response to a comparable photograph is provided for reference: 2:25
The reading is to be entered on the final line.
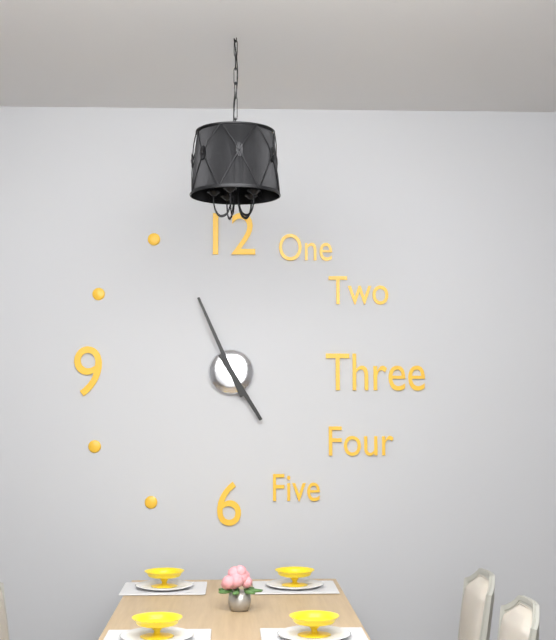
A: 4:56
